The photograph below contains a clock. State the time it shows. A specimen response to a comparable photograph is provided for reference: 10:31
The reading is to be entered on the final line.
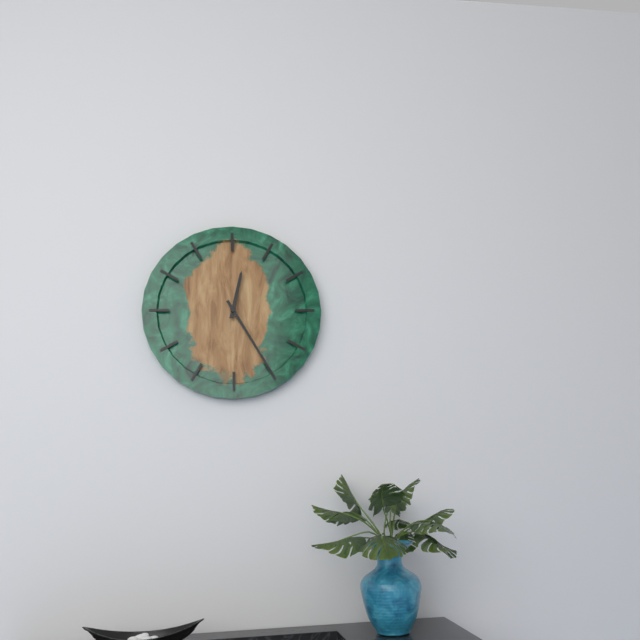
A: 12:25
